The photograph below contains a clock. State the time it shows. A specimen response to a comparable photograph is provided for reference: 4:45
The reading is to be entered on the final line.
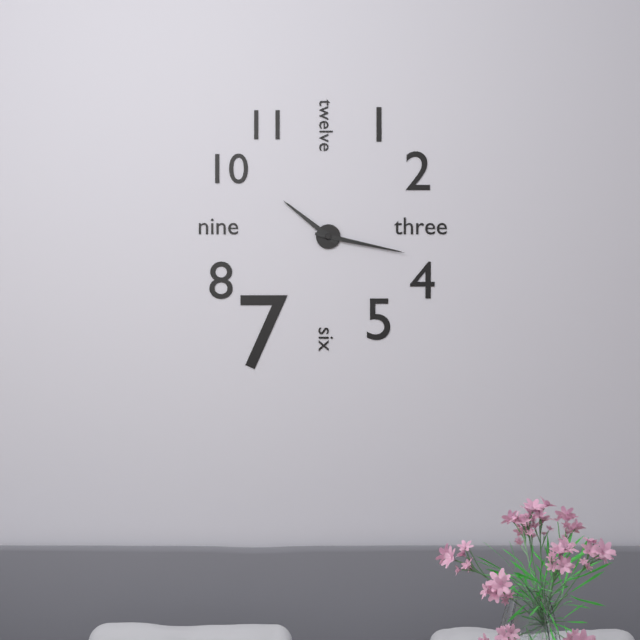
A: 10:17
